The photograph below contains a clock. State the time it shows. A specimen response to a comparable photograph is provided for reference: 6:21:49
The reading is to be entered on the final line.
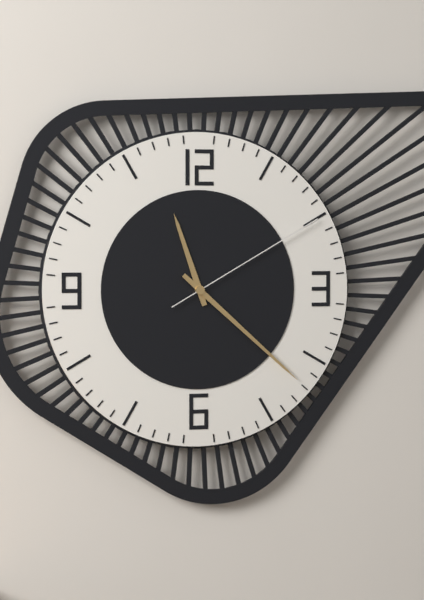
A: 11:22:10
